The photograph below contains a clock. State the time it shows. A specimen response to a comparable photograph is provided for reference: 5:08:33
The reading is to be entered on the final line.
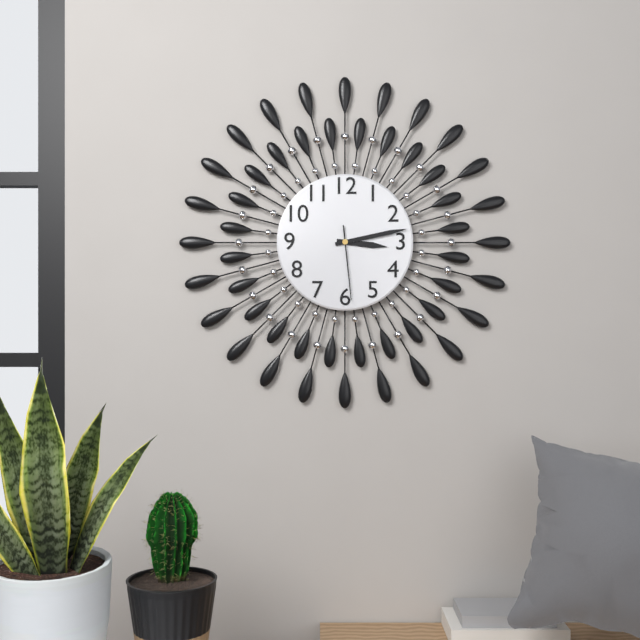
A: 3:13:29
